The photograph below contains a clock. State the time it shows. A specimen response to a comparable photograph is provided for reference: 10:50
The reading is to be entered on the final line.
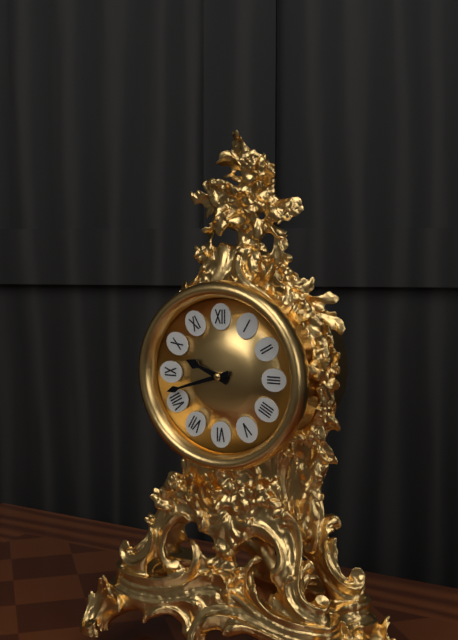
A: 9:42
